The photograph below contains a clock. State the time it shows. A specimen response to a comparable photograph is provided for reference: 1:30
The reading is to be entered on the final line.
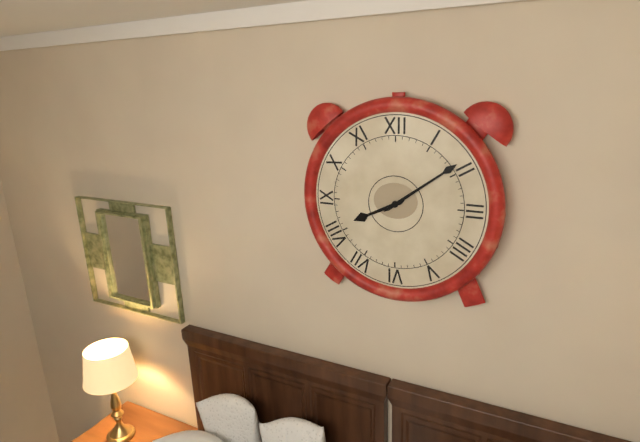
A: 8:09
